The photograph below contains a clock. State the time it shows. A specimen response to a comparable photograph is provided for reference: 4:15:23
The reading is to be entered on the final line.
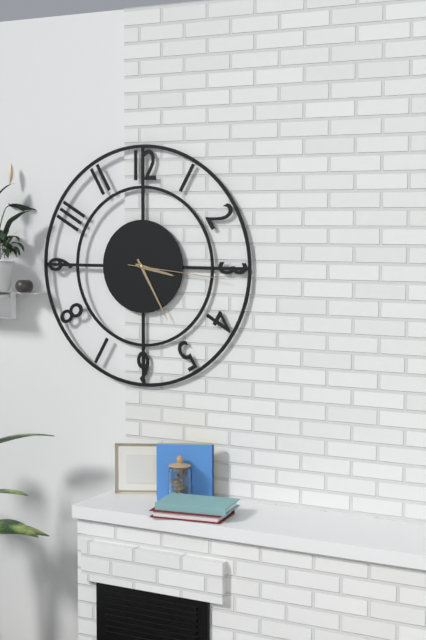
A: 3:25:16
